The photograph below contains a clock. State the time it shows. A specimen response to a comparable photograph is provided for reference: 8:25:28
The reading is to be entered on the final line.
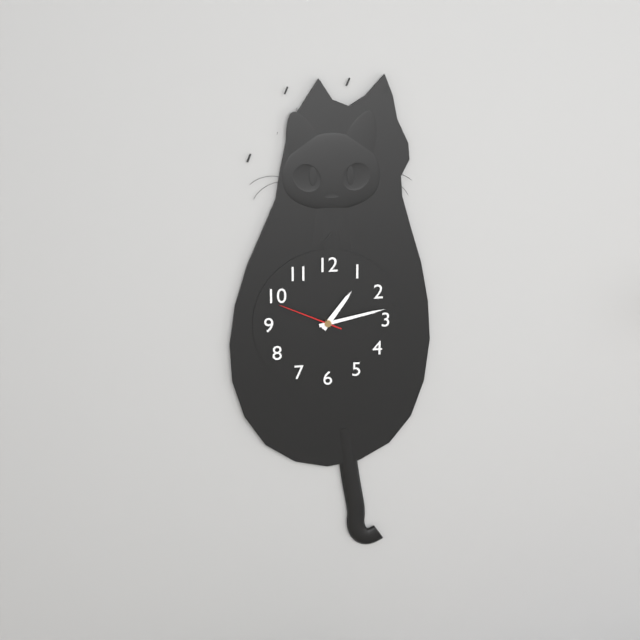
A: 1:13:49
